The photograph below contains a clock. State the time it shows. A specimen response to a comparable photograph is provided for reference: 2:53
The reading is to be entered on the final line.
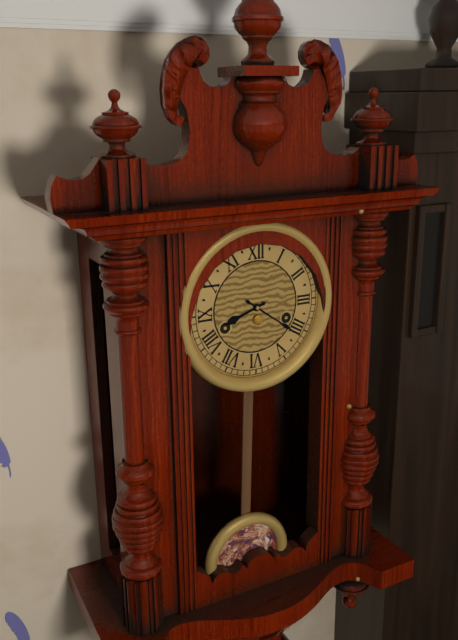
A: 8:21
